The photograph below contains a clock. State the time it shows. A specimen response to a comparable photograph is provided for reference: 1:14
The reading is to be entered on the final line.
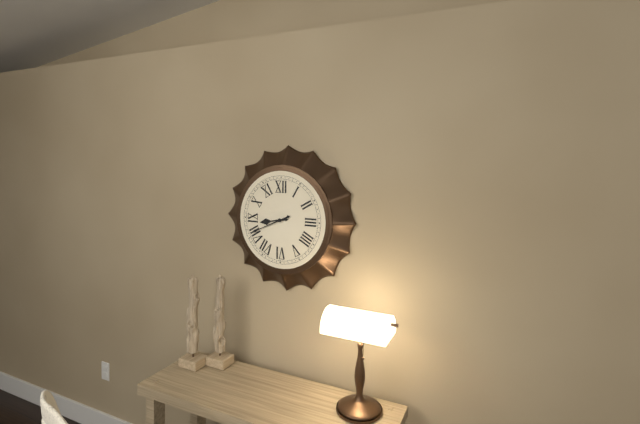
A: 8:41
